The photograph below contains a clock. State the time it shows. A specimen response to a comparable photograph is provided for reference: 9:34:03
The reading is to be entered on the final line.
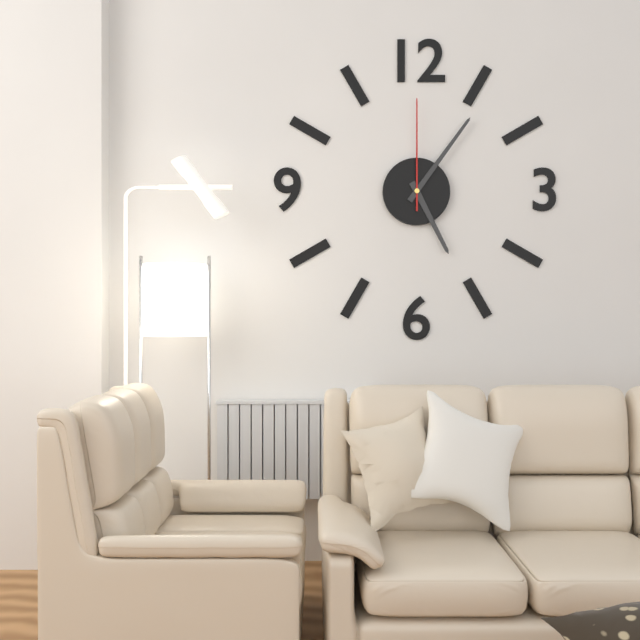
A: 5:06:00
